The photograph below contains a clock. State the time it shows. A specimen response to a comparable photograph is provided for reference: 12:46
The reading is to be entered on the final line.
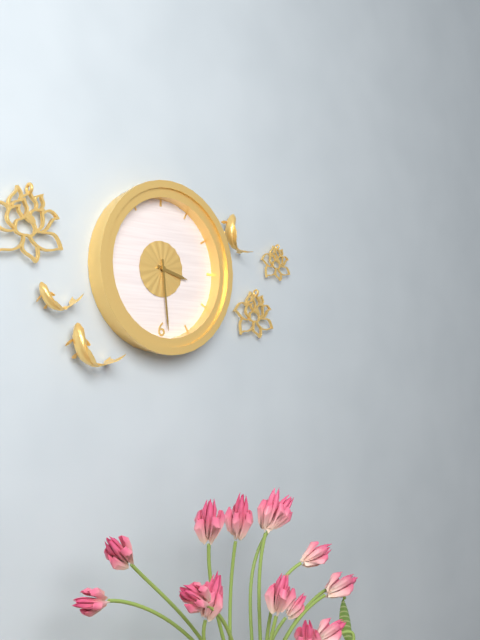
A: 3:29
